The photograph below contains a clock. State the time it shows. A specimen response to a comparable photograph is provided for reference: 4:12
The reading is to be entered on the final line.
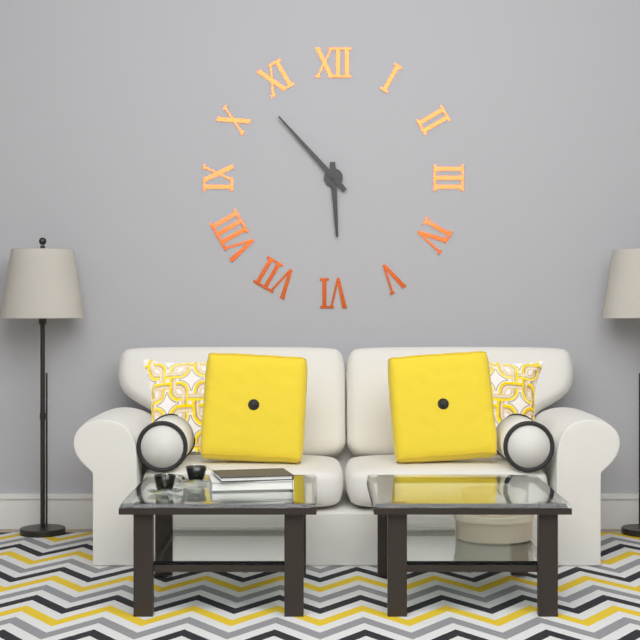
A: 5:53
